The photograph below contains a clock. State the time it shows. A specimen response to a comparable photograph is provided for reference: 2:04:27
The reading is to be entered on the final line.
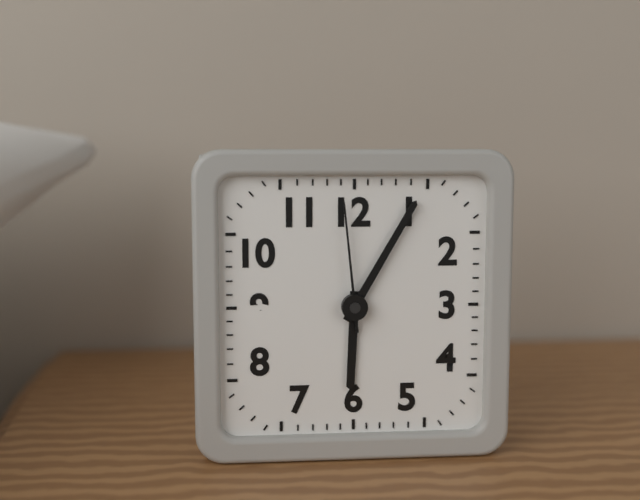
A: 6:05:59
